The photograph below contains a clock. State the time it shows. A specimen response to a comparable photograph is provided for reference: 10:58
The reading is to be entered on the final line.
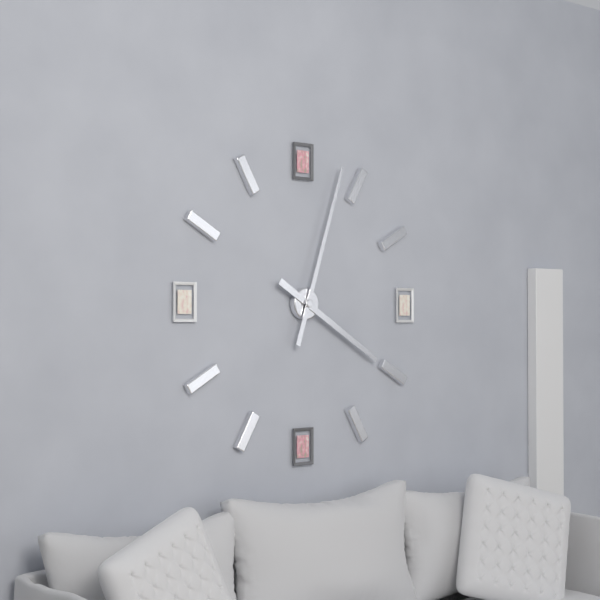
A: 4:03
